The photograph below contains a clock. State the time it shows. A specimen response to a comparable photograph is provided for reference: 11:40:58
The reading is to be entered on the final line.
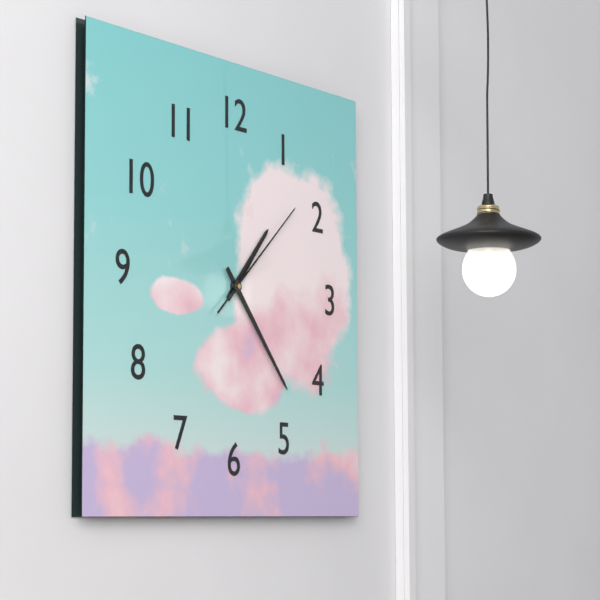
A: 1:23:08
